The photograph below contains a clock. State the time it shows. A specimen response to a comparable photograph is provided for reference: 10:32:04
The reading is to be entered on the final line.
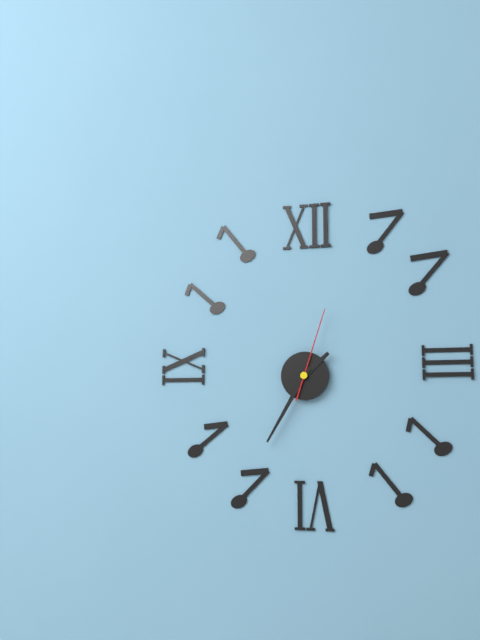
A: 1:35:03
